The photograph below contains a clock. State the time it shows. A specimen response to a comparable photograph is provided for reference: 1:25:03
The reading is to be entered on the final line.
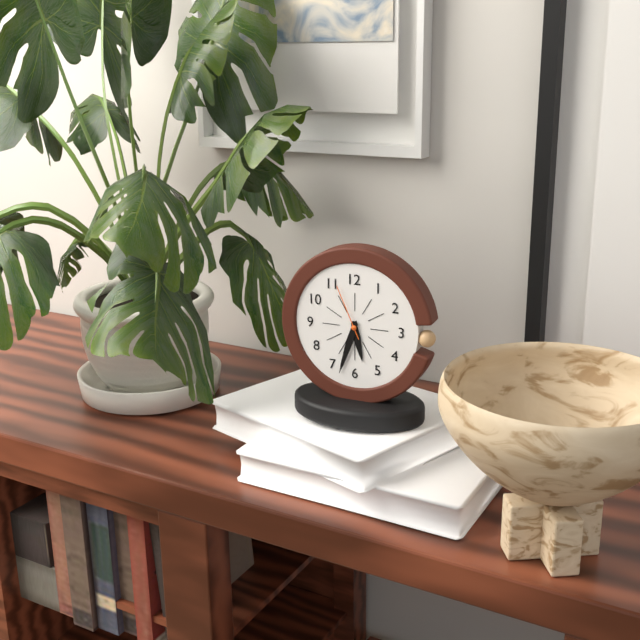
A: 5:33:56
